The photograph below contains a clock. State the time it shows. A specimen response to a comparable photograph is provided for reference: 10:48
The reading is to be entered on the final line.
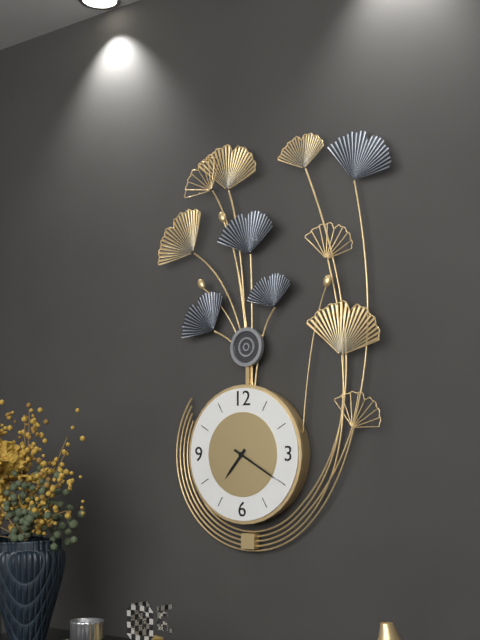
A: 7:20
